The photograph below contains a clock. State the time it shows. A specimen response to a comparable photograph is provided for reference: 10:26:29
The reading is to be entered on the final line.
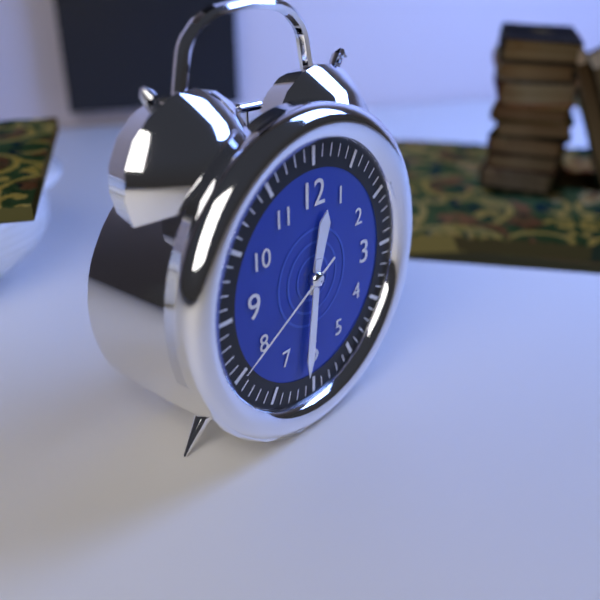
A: 12:31:40
